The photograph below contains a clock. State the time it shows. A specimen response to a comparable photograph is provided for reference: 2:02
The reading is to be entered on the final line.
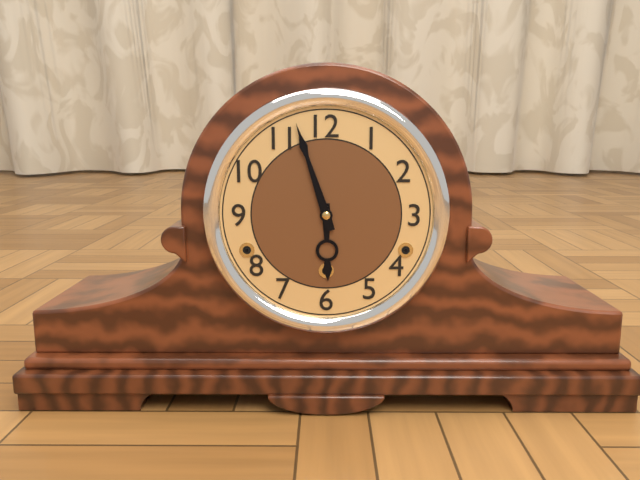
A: 5:57
